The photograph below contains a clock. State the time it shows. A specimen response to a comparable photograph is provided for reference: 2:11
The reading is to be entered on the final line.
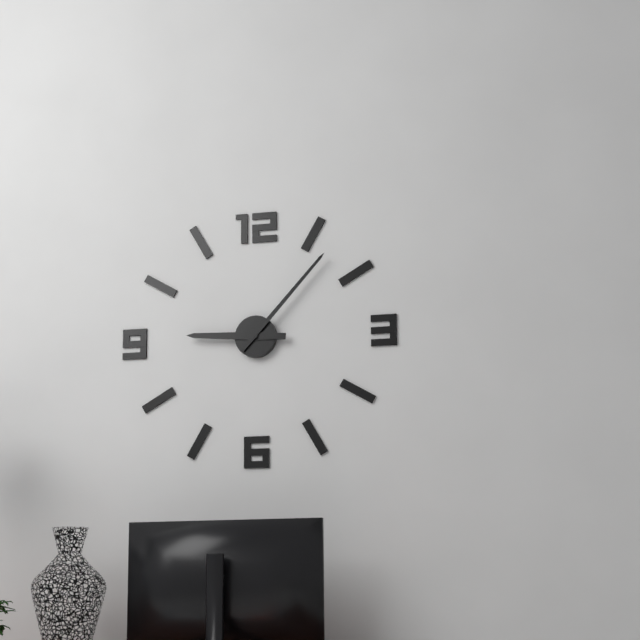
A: 9:07
